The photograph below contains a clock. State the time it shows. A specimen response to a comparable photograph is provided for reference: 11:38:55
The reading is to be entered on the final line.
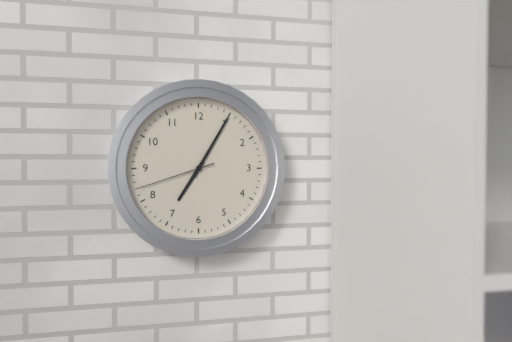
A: 7:05:42
